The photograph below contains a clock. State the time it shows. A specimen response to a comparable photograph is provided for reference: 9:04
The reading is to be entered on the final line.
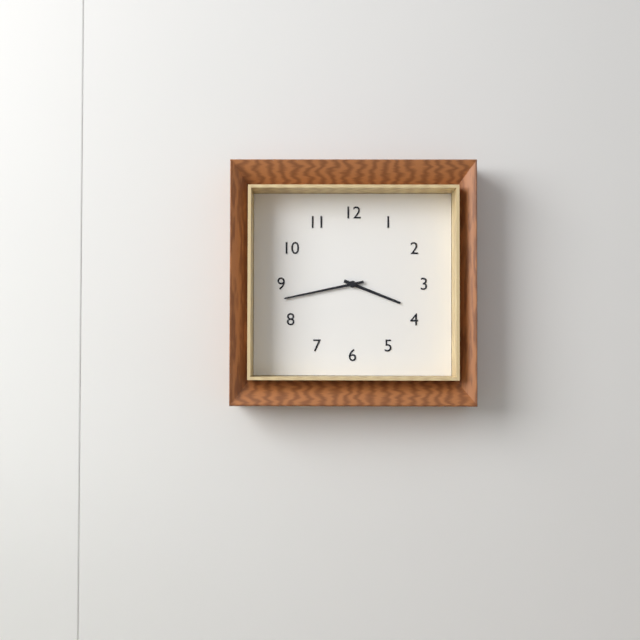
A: 3:43
